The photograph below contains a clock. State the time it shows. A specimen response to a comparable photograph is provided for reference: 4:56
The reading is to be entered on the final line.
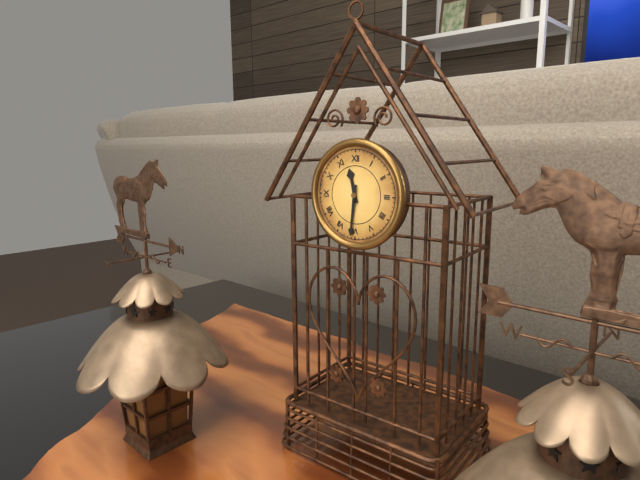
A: 11:31
